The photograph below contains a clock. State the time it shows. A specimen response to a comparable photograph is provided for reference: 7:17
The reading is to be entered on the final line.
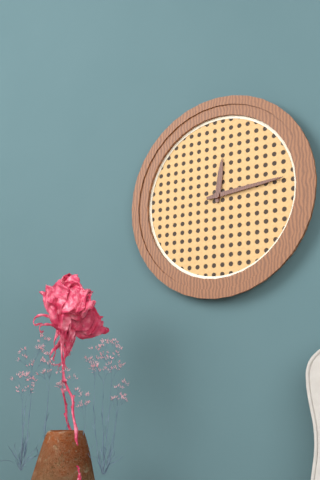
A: 12:14
